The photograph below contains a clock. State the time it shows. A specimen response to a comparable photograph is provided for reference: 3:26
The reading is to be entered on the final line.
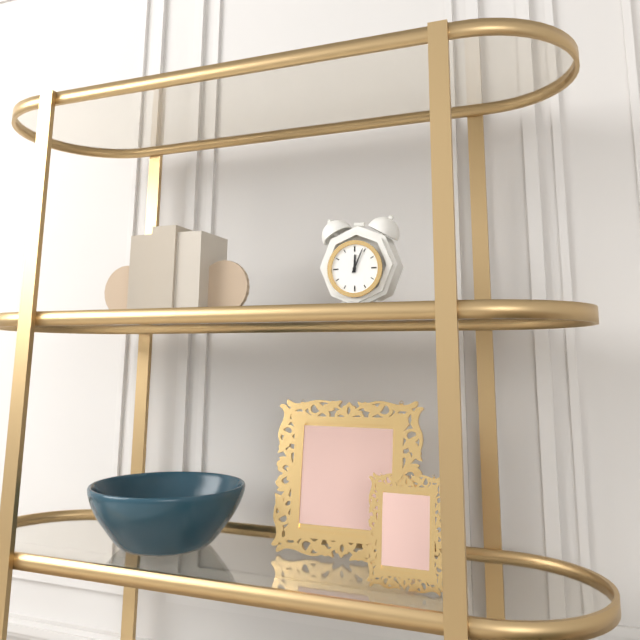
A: 12:04
